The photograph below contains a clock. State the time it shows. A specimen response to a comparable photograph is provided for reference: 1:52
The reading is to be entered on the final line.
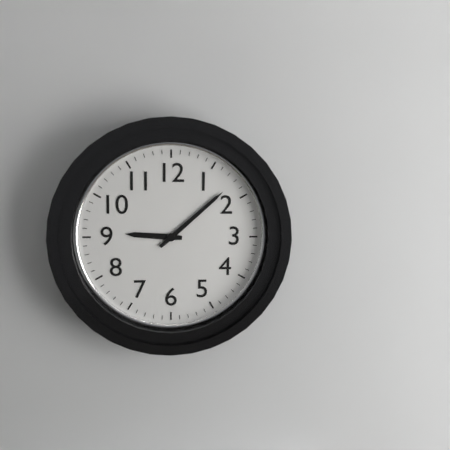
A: 9:08
